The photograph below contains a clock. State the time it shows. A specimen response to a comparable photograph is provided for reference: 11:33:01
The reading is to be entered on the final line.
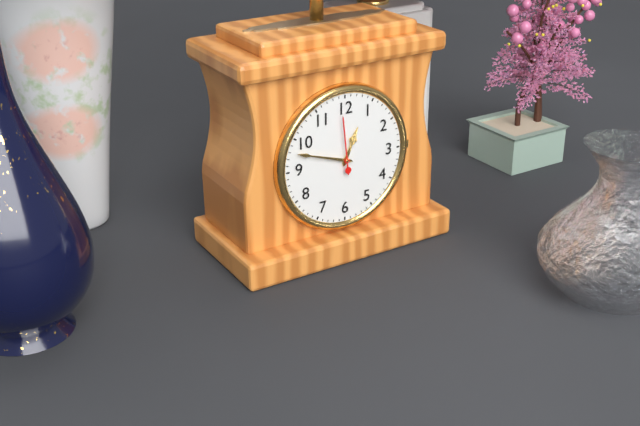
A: 12:48:59
